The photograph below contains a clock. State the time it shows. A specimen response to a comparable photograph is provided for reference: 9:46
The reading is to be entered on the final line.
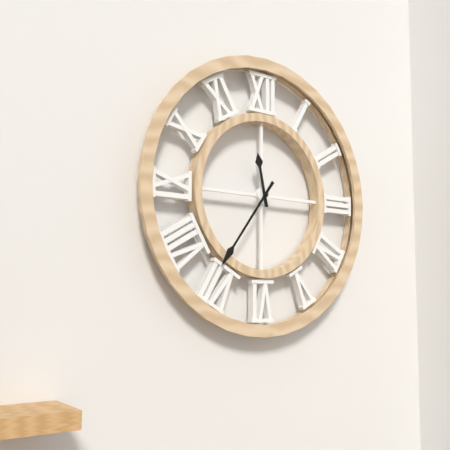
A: 11:36
